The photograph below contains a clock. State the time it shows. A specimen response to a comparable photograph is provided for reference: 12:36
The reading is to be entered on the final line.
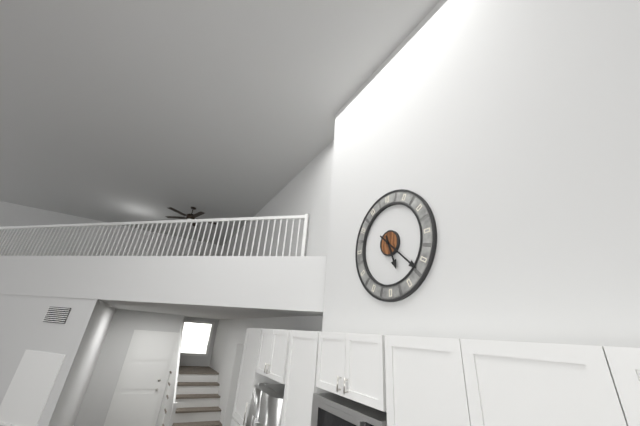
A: 5:22
